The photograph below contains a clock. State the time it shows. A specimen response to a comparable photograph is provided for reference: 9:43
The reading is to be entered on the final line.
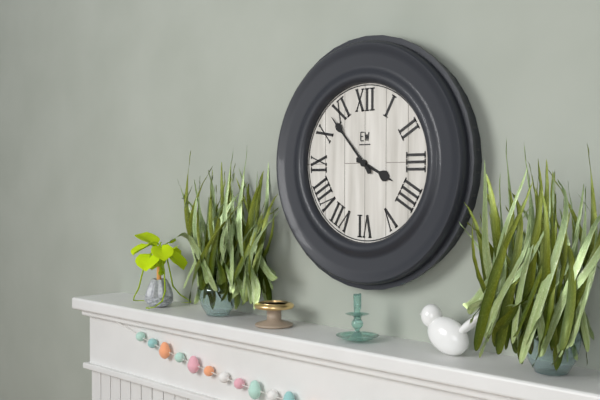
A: 3:53
